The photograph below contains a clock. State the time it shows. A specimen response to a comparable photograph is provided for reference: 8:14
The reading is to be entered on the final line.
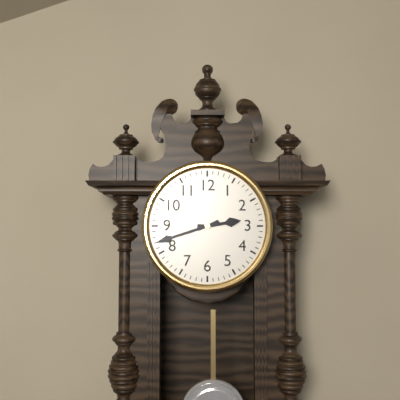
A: 2:42
